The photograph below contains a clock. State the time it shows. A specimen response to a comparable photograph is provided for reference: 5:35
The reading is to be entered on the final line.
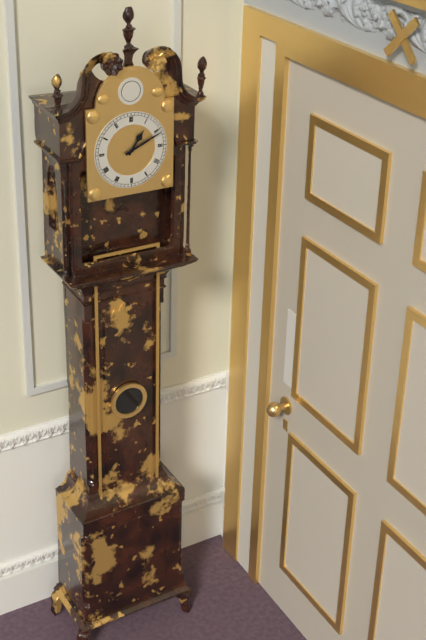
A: 1:11
